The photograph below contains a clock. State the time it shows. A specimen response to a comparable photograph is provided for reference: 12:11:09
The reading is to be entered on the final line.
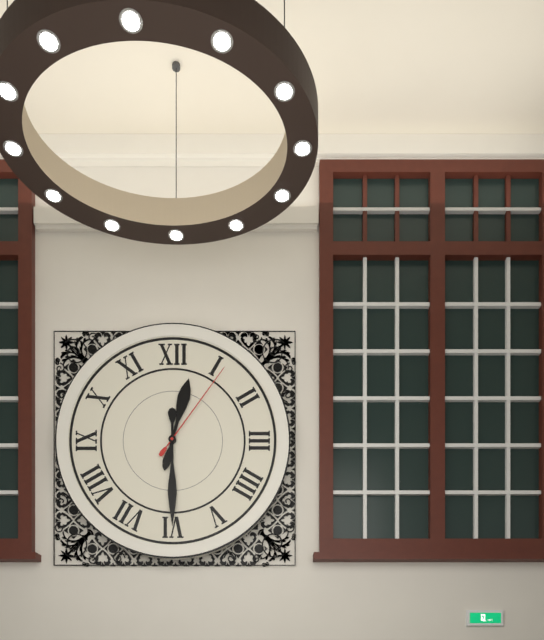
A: 12:30:06
